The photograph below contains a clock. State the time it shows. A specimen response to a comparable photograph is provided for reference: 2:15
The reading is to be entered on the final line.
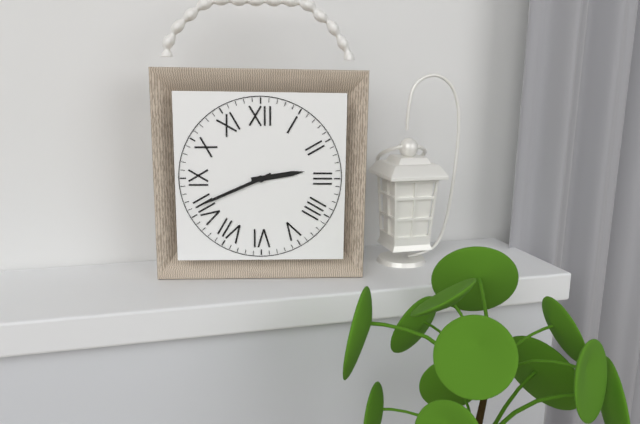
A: 2:41
